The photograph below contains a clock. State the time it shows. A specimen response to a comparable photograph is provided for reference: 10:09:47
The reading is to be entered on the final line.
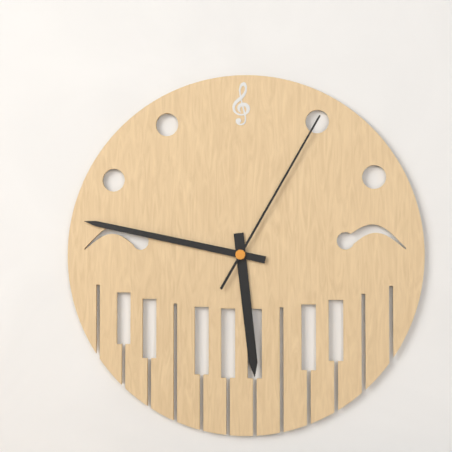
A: 5:47:05
